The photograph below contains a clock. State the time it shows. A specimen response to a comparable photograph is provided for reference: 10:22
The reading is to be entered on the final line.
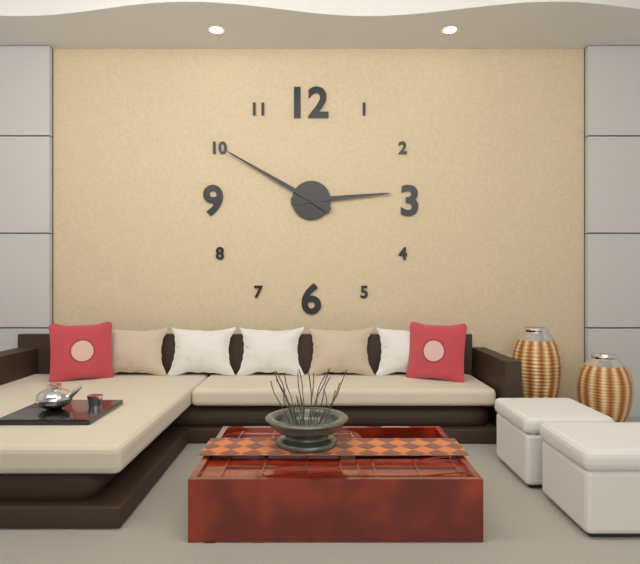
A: 2:50
